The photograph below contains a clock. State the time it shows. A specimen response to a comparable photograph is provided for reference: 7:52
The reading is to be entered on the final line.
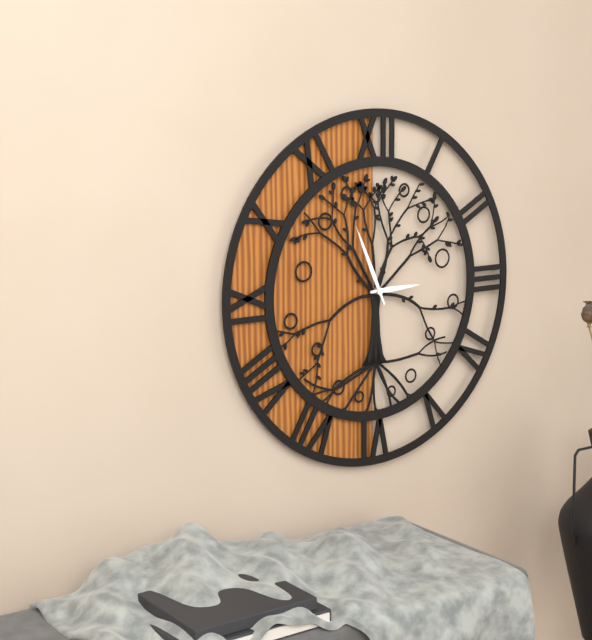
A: 2:56
